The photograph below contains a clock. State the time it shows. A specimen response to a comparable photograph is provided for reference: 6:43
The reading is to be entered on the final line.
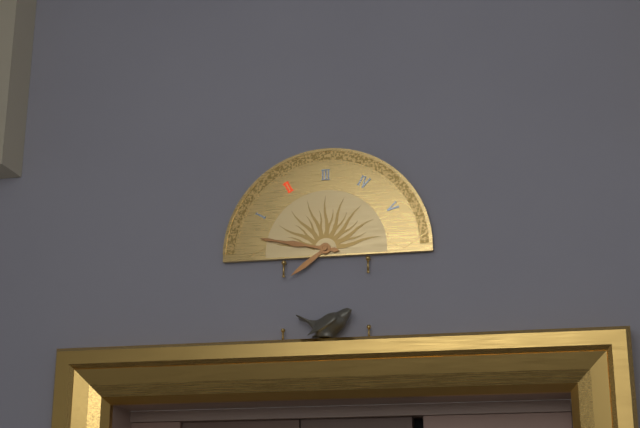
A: 7:47
